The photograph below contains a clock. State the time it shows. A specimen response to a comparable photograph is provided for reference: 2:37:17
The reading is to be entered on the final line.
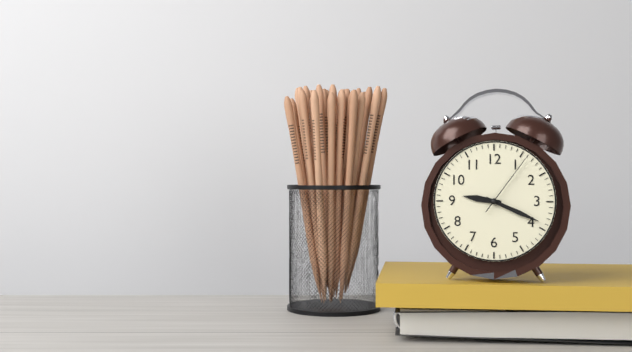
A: 9:19:06
